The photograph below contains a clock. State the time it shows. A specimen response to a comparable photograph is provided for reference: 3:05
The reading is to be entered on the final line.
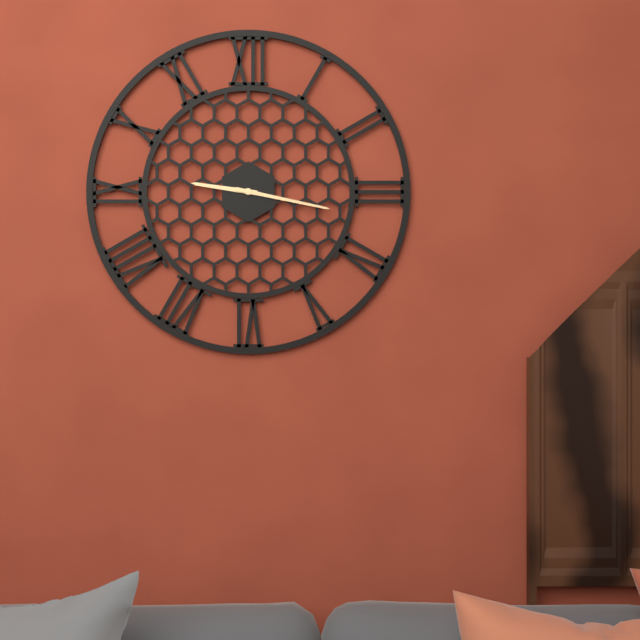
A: 9:17
